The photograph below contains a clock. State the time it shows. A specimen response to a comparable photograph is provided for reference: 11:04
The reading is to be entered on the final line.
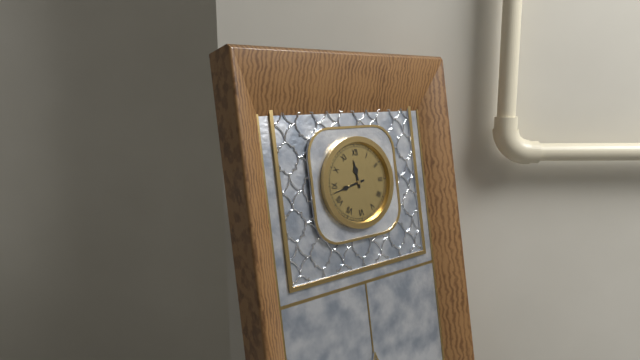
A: 11:43
